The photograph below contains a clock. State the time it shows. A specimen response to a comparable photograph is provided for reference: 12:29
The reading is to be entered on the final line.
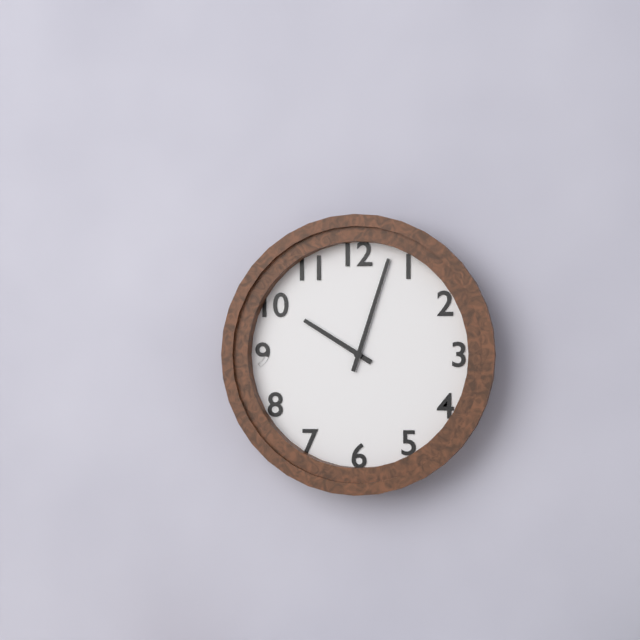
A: 10:03
